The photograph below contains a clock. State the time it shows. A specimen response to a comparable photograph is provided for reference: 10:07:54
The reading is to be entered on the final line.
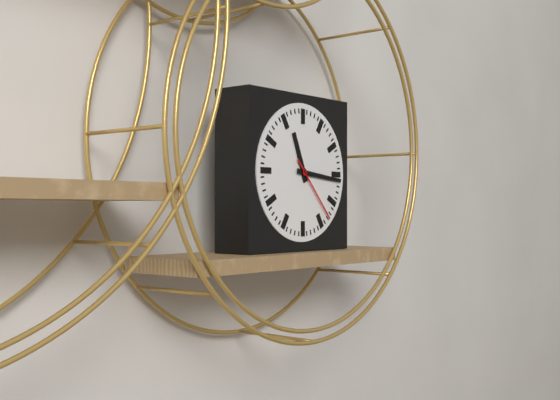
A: 11:16:23
